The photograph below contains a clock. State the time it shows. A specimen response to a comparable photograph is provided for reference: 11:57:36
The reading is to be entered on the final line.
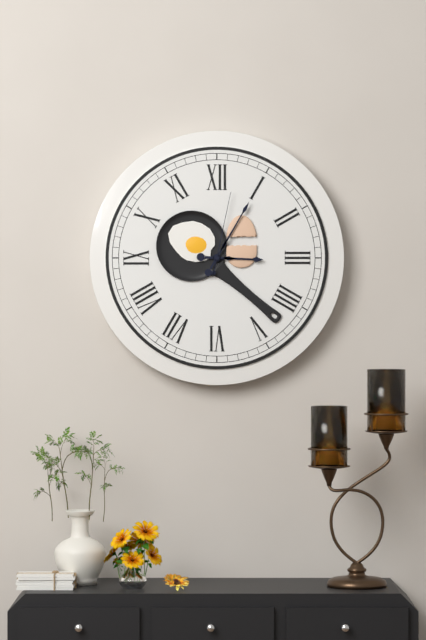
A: 3:05:02
